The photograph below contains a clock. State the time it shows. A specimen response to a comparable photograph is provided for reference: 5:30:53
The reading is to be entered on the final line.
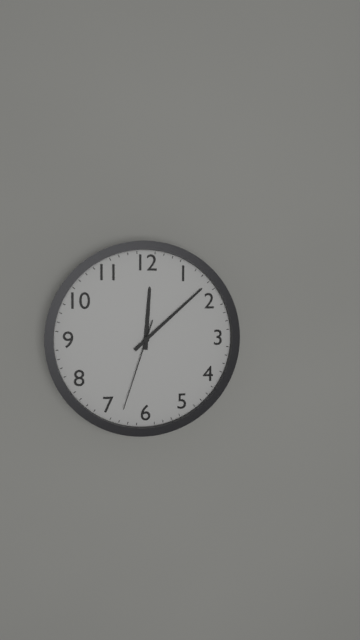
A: 12:08:33
